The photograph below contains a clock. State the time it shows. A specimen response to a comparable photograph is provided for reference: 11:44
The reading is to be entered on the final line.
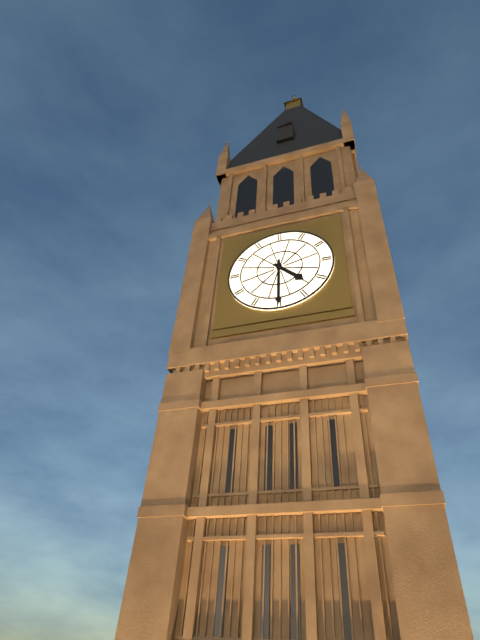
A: 4:30
